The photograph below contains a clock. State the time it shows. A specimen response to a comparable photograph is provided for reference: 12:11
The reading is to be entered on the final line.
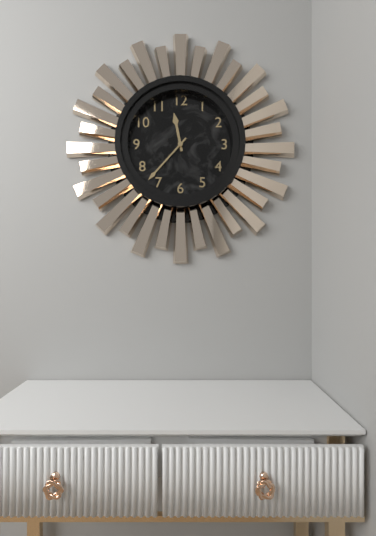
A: 11:37
